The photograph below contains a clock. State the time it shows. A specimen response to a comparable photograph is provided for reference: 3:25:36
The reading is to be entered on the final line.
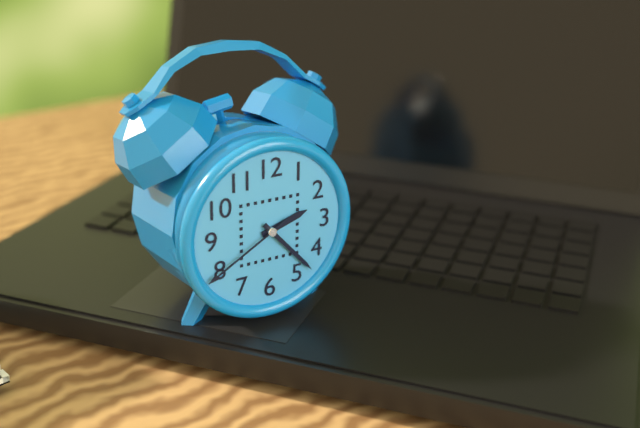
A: 2:23:40
